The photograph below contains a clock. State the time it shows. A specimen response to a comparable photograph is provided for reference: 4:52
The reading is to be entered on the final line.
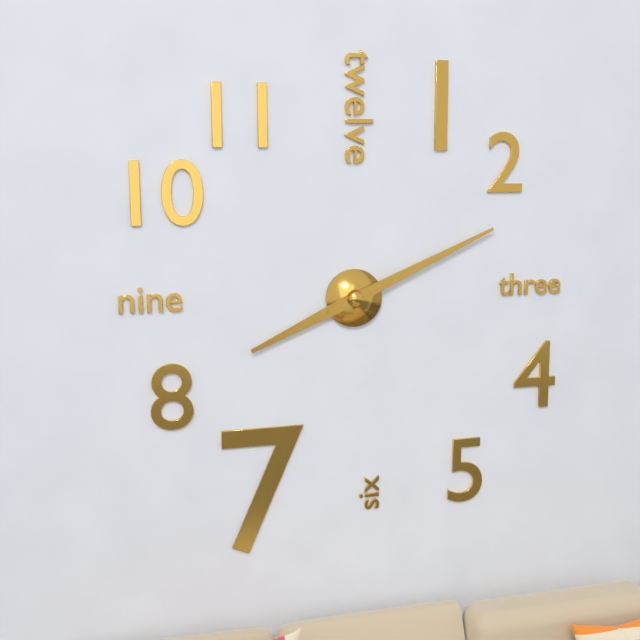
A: 8:11
